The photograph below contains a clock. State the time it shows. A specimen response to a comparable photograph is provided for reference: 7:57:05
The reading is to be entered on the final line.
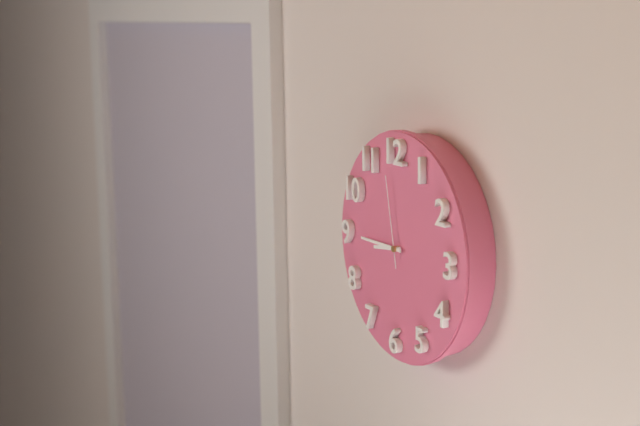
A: 8:45:58
